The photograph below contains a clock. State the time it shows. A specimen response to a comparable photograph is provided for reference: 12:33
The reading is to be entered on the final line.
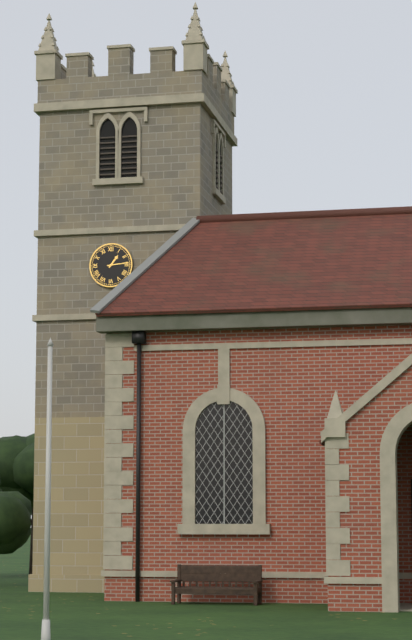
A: 1:14
